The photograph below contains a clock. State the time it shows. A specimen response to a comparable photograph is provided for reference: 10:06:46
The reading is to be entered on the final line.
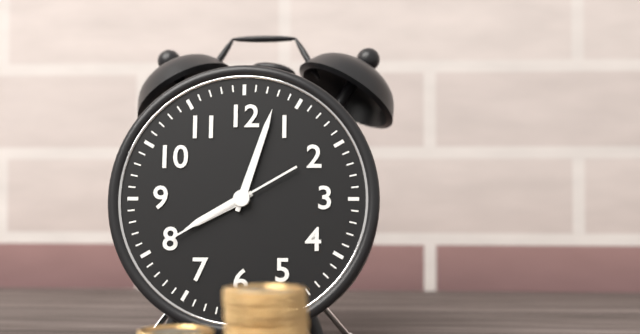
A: 8:03:40
